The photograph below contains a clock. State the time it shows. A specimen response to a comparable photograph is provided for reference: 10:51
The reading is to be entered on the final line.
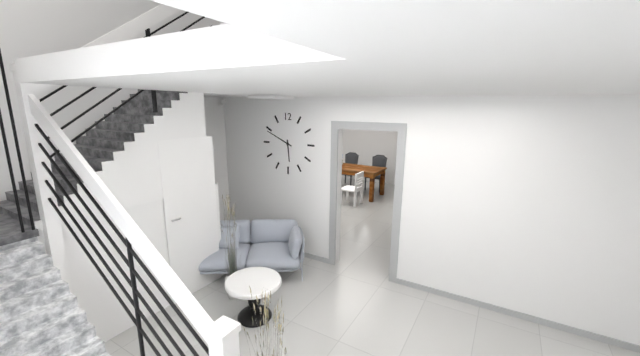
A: 5:49
